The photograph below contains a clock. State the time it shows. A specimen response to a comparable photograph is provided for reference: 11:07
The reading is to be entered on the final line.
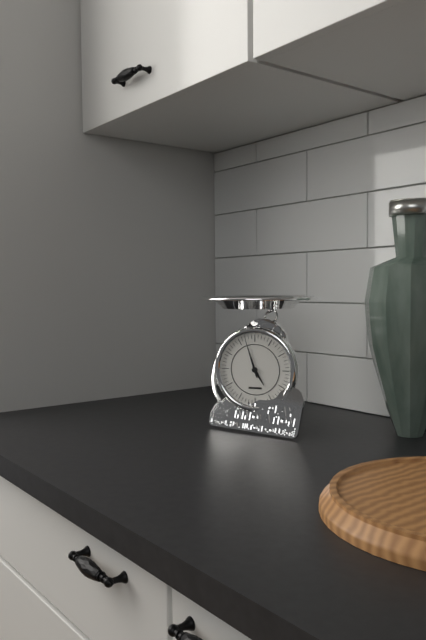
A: 4:57
